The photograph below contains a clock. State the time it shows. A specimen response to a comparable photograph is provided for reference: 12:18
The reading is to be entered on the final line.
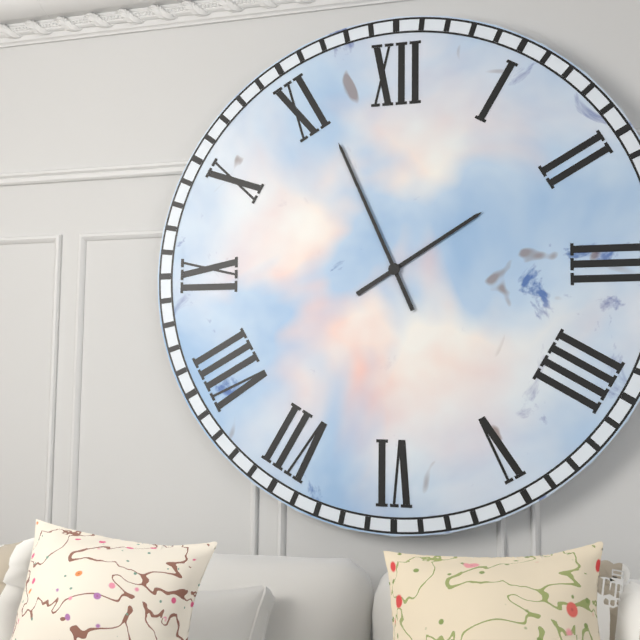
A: 1:56
